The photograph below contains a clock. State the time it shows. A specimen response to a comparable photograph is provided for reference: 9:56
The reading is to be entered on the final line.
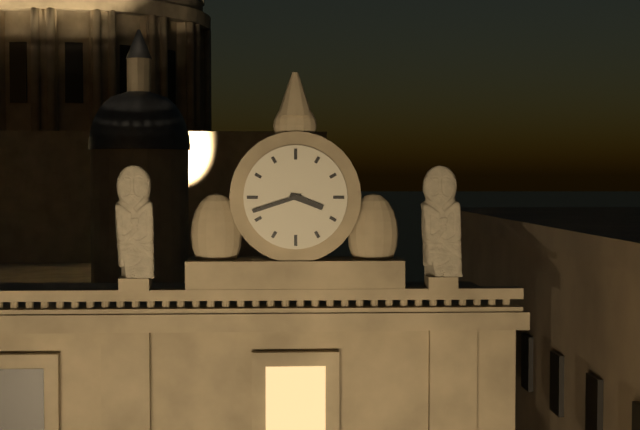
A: 3:42
